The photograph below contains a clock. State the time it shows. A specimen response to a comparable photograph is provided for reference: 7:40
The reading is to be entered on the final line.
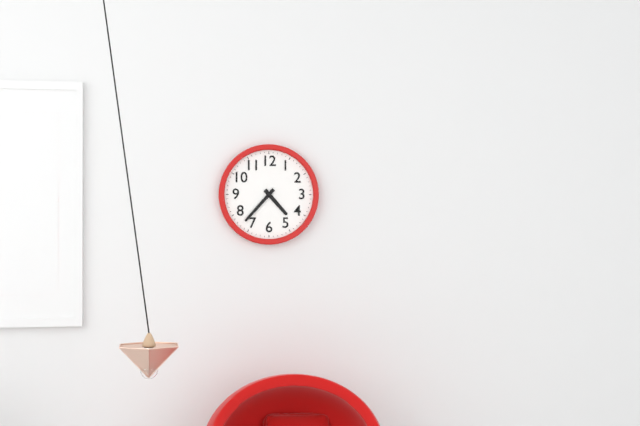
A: 4:37
